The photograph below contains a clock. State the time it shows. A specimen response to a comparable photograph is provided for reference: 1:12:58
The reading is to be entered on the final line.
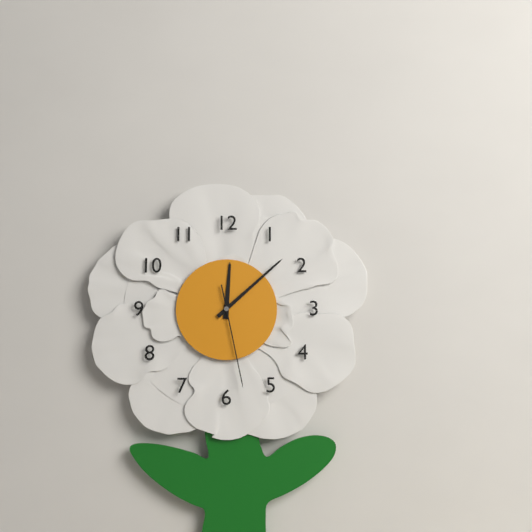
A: 12:08:28
